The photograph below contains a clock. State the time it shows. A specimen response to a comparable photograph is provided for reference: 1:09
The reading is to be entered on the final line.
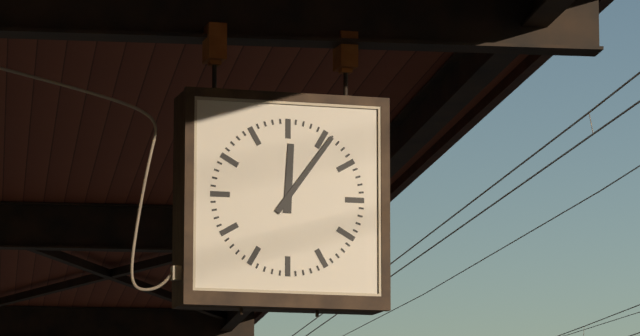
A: 12:06
